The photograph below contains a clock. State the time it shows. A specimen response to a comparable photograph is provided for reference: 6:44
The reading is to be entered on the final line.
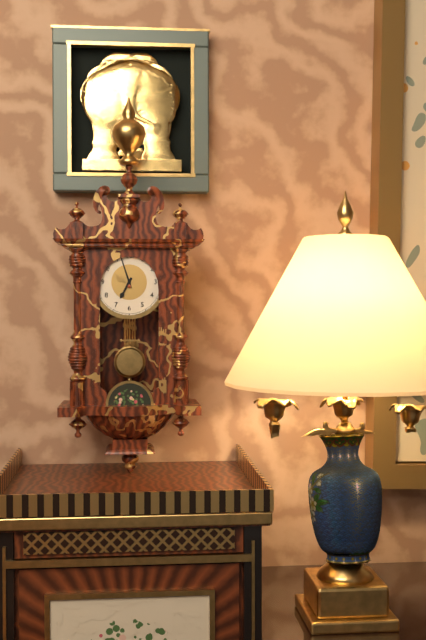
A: 6:57
